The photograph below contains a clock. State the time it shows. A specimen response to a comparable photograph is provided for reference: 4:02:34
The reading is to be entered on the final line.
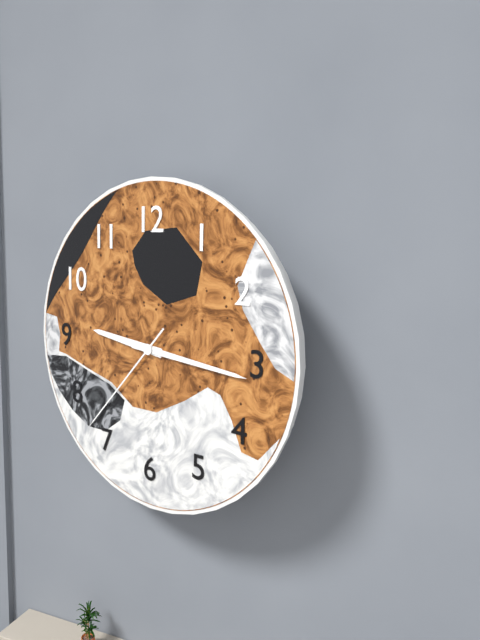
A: 9:16:37
